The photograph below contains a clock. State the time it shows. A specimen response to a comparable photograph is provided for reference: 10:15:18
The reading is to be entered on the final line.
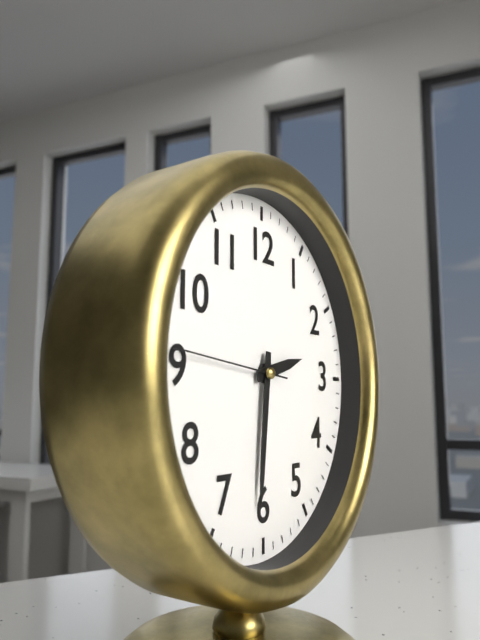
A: 2:31:46
